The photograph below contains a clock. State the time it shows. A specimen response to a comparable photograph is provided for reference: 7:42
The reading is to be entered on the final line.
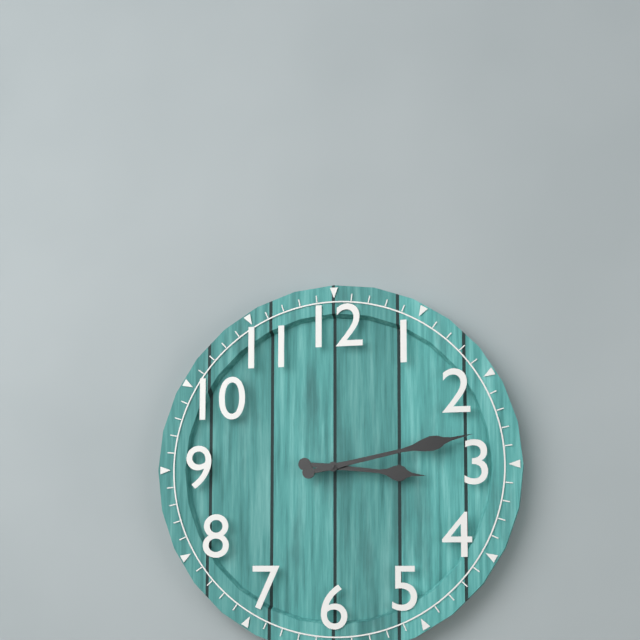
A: 3:13
